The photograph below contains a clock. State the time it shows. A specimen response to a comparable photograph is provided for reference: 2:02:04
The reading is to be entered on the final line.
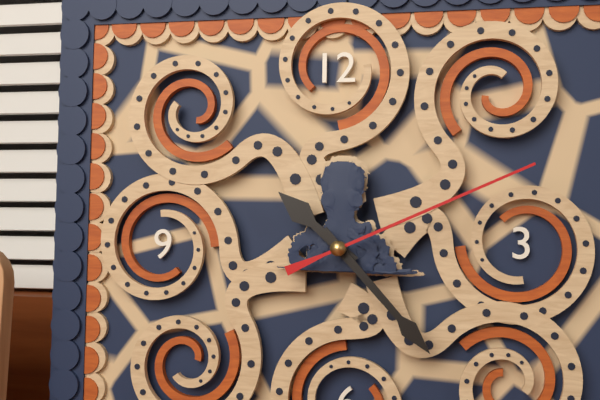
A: 10:23:11
